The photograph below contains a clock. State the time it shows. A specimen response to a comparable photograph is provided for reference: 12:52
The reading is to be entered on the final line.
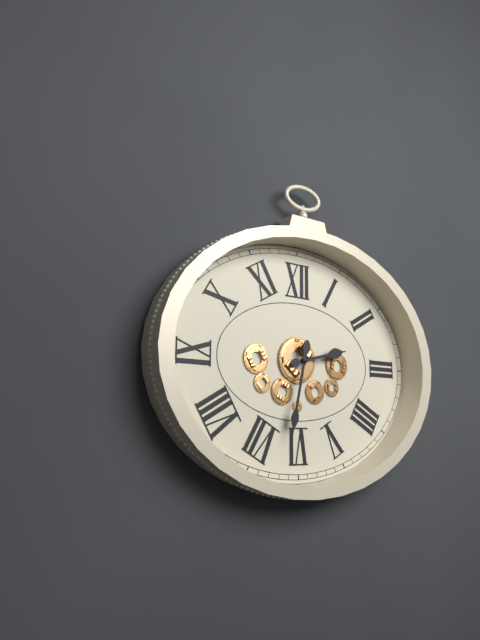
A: 2:32
